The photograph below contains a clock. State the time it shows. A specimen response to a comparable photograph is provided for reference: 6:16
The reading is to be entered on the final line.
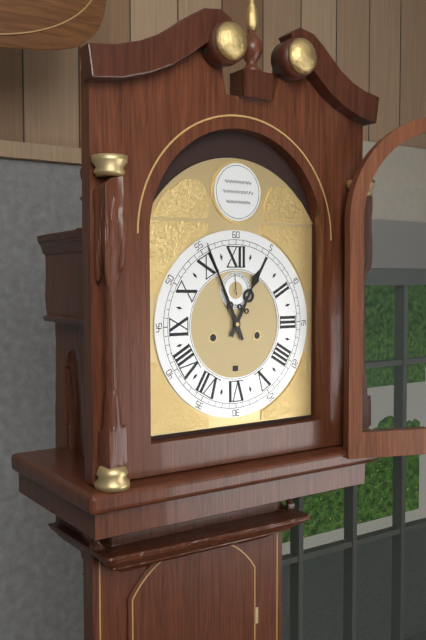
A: 12:56
